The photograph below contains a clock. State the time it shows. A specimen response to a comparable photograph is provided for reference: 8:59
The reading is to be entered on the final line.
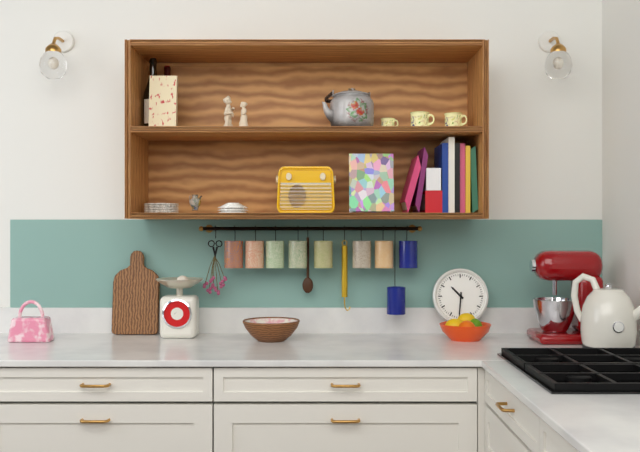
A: 10:31
